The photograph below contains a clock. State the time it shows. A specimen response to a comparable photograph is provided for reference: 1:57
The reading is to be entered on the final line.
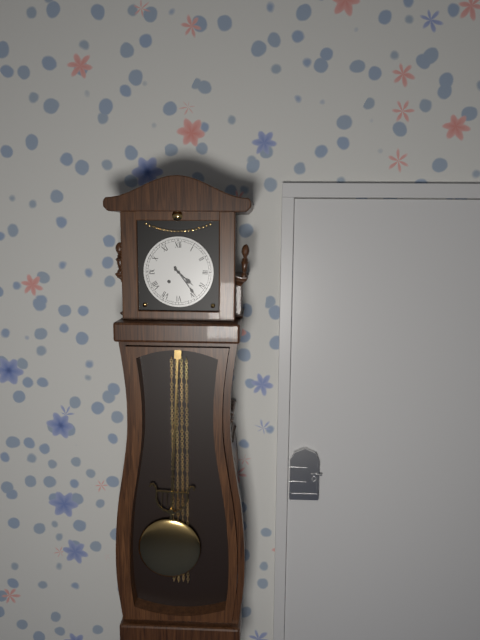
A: 4:24
